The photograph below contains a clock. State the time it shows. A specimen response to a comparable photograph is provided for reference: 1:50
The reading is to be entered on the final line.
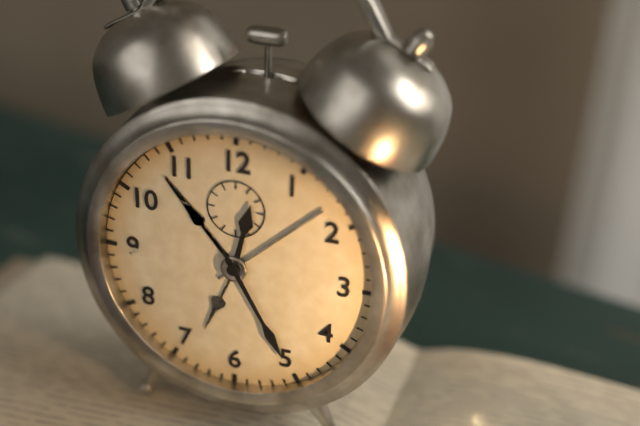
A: 12:25
